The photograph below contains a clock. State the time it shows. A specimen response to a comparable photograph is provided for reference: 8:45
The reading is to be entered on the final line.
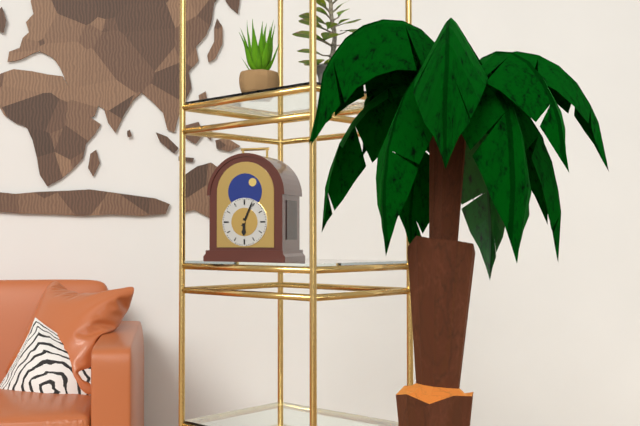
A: 6:04
